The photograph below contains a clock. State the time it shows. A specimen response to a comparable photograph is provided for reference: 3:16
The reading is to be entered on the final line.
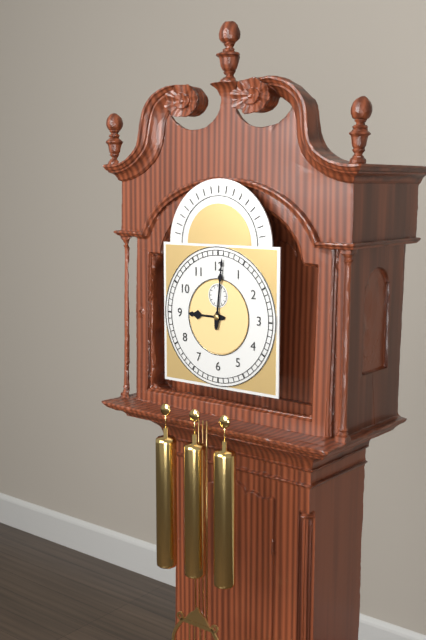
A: 9:01
